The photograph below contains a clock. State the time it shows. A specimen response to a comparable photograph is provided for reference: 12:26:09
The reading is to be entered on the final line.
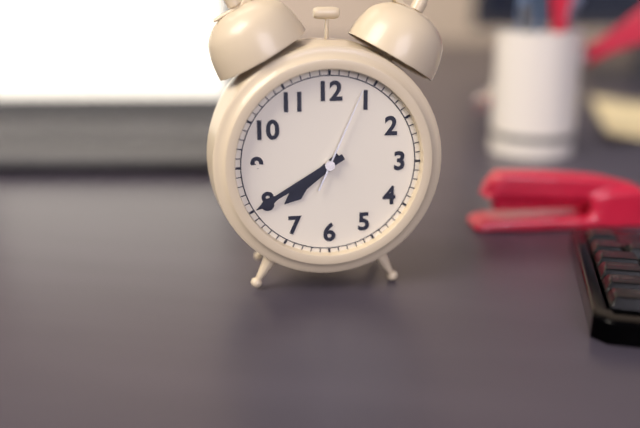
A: 7:40:04
